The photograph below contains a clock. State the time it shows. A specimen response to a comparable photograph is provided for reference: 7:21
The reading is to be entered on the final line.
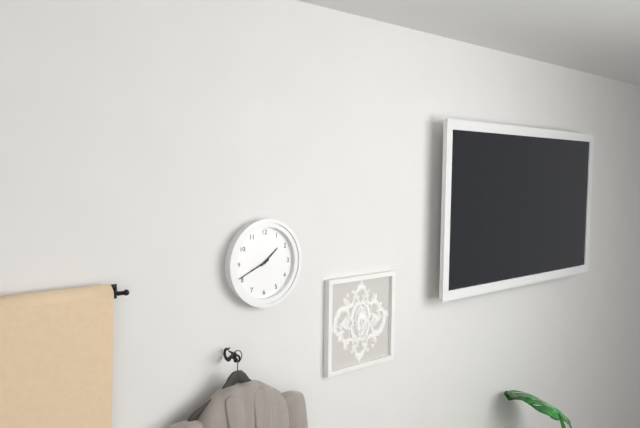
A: 1:41
